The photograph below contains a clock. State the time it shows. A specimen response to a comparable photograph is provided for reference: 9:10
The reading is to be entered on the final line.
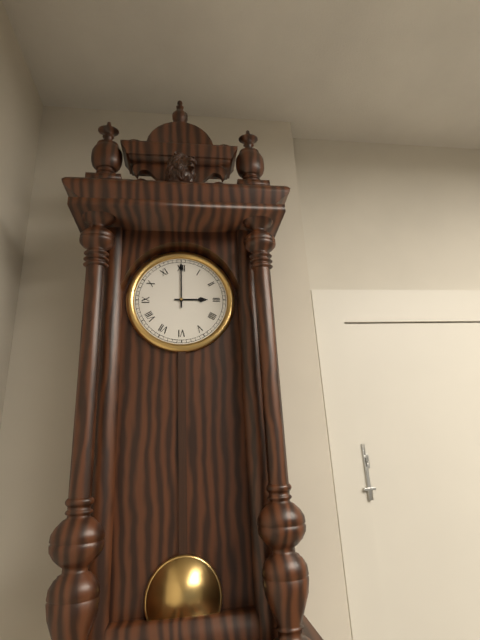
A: 3:00
